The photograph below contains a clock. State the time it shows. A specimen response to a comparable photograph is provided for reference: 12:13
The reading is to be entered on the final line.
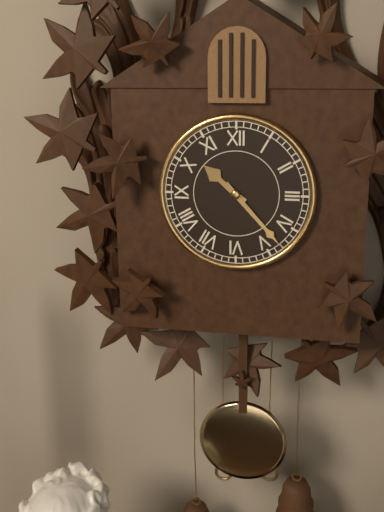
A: 10:23
